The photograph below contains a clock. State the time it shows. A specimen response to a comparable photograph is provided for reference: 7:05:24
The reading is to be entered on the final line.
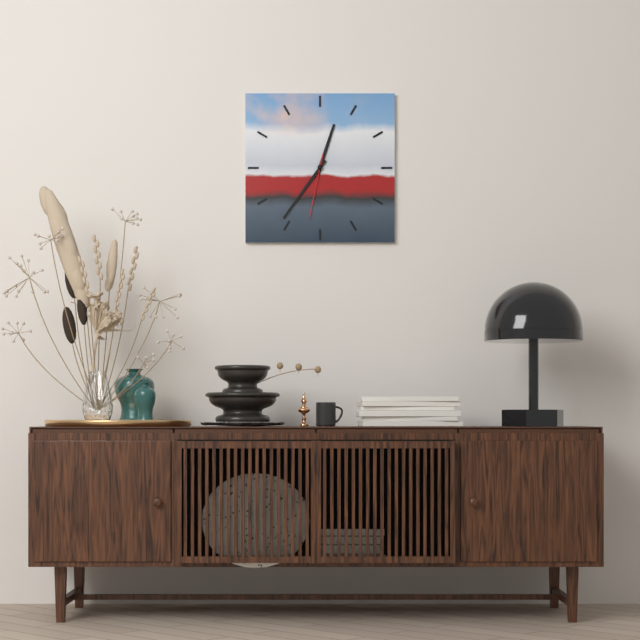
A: 12:36:32
